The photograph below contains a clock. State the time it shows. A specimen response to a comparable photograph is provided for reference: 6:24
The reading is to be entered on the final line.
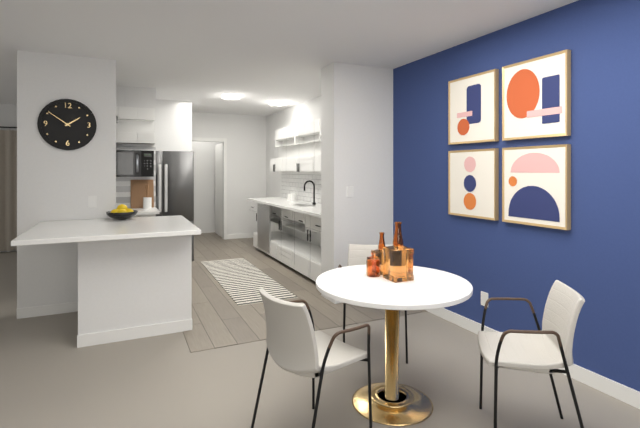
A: 1:51
